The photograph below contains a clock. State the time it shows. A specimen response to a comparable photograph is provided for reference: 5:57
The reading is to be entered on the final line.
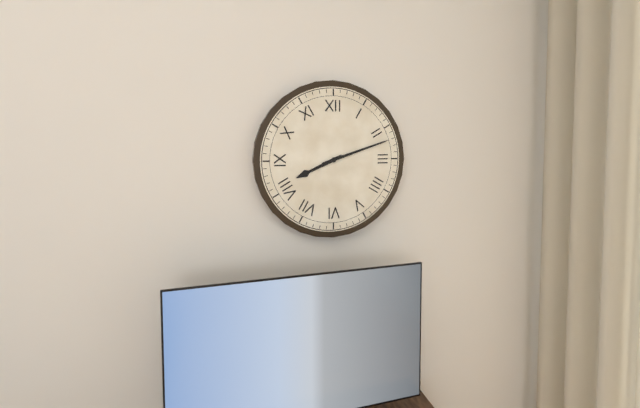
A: 8:12
